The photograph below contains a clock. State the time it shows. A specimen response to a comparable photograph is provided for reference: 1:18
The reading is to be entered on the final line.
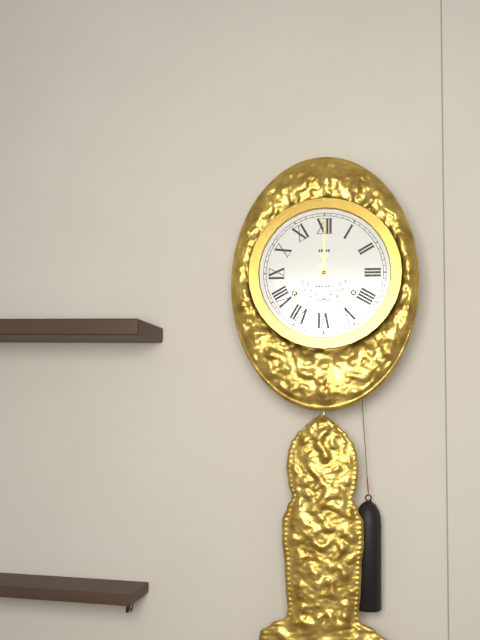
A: 5:00
